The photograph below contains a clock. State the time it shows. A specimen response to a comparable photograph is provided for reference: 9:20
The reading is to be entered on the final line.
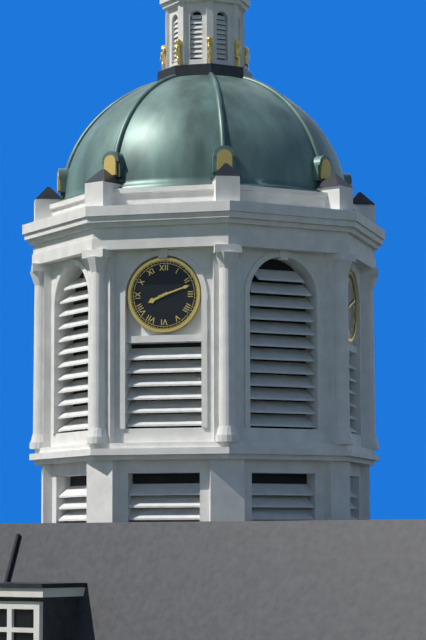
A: 8:12
